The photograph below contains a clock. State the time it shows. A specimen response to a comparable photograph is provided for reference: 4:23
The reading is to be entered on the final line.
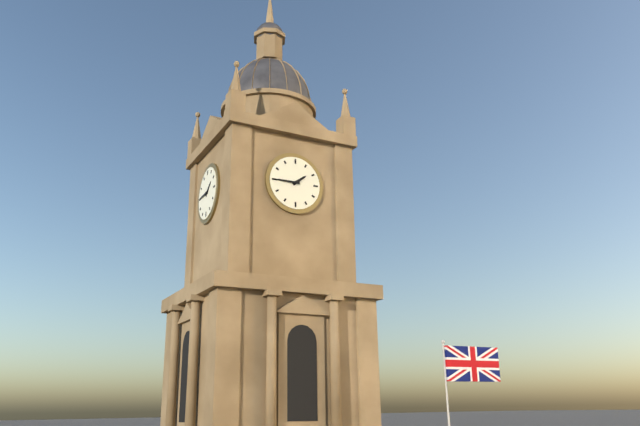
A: 1:45
